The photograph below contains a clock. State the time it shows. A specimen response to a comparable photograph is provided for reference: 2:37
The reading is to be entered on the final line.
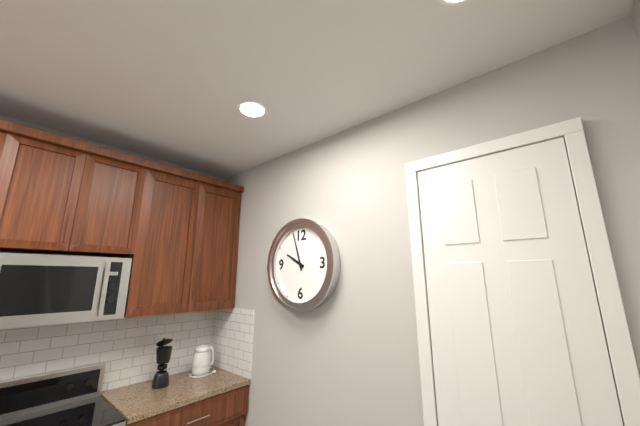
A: 9:57
